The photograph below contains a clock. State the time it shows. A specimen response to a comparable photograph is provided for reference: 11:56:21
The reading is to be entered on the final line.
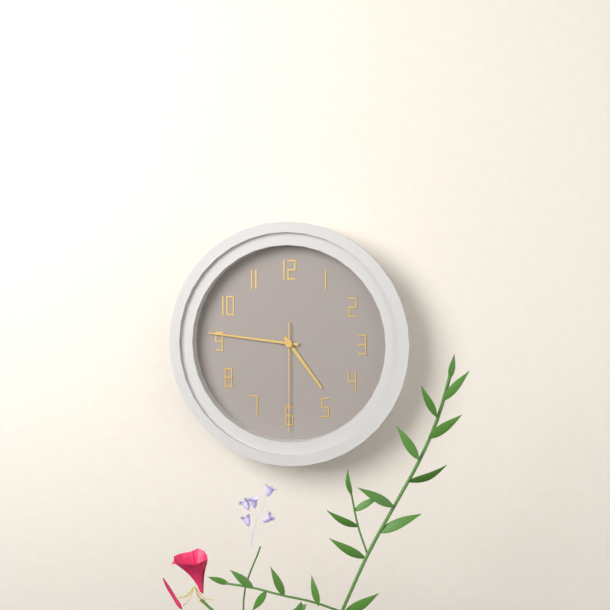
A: 4:46:30
